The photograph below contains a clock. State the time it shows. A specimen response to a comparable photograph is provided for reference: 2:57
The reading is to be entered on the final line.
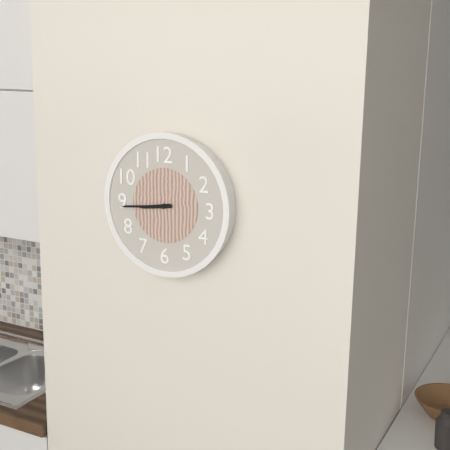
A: 8:44
